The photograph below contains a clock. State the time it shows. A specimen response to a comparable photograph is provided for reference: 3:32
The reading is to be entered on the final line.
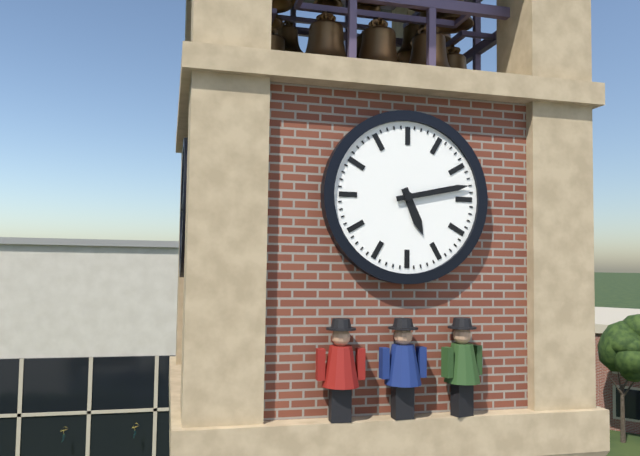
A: 5:13
